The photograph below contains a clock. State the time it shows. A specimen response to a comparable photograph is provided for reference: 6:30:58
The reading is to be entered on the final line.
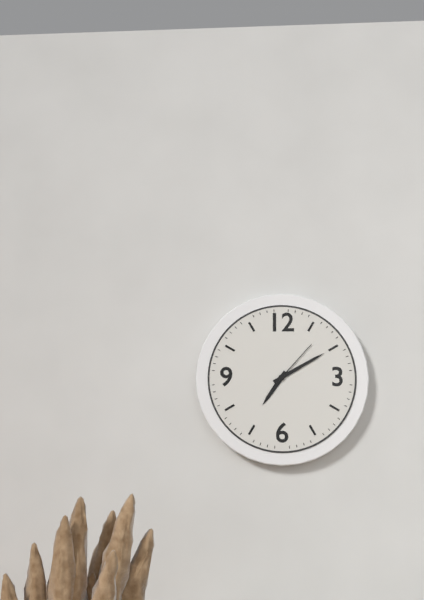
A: 7:10:07
